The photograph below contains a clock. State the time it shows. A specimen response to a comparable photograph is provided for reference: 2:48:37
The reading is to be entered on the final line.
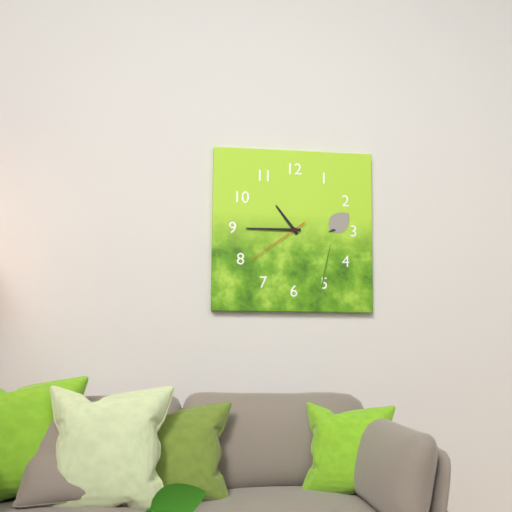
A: 10:45:39
